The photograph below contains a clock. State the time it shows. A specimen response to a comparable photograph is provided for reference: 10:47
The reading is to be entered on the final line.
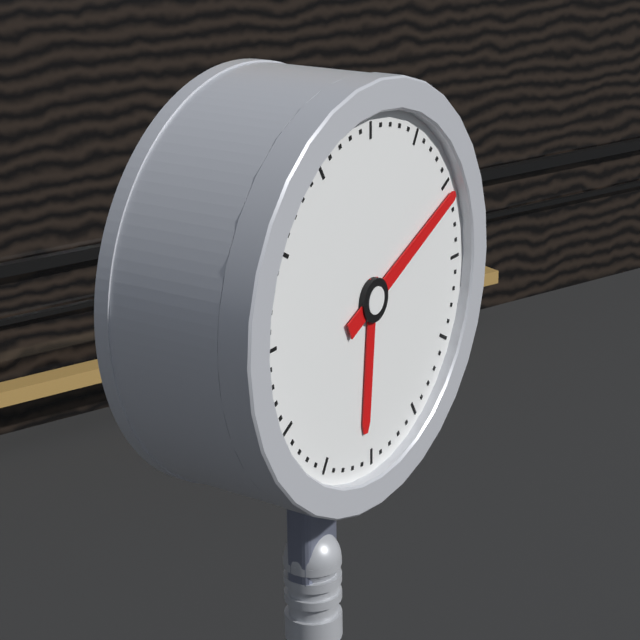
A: 6:11
